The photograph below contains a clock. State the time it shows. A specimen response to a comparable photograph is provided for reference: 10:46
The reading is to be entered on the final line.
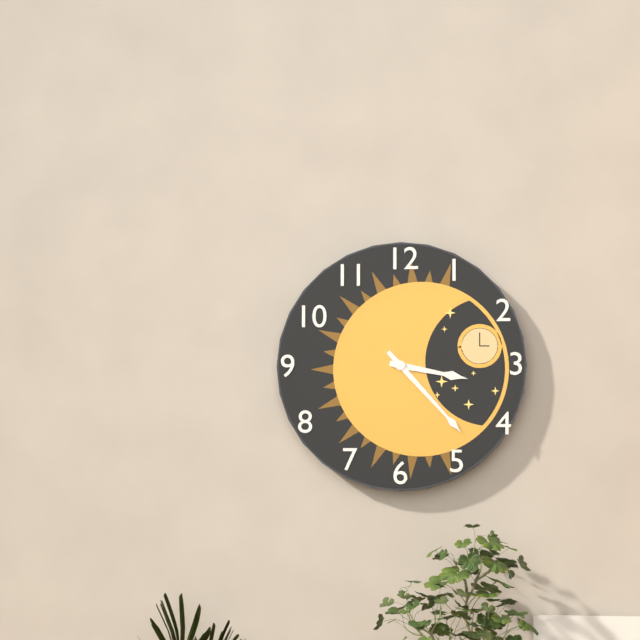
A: 3:23
